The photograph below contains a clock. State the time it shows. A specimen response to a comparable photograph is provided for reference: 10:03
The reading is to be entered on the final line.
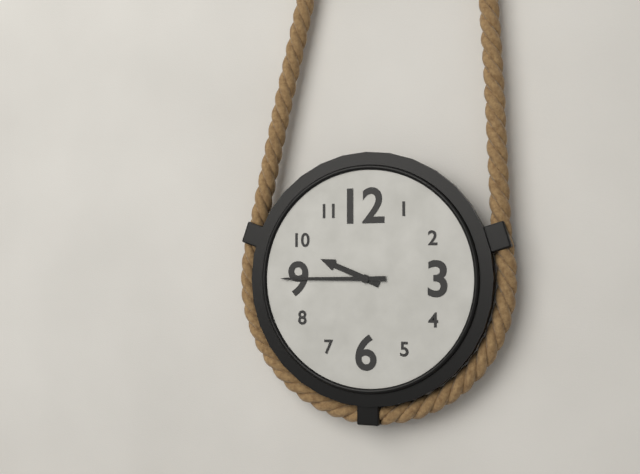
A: 9:45
